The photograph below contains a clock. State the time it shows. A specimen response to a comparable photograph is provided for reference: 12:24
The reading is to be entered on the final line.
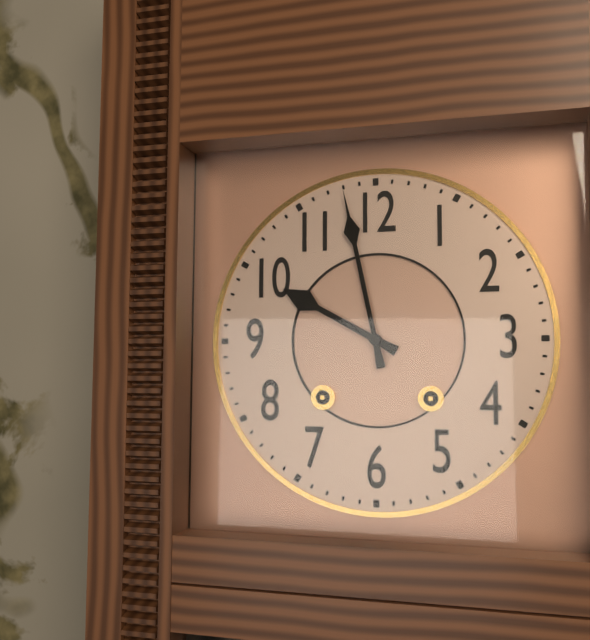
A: 9:58
